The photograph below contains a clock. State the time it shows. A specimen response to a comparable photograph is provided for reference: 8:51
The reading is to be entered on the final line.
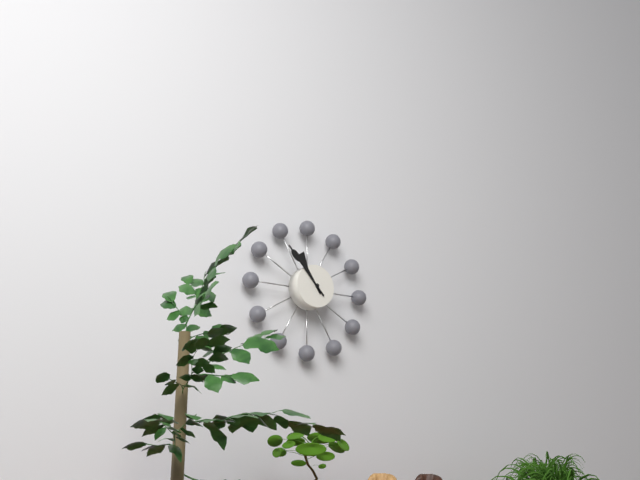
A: 10:53
